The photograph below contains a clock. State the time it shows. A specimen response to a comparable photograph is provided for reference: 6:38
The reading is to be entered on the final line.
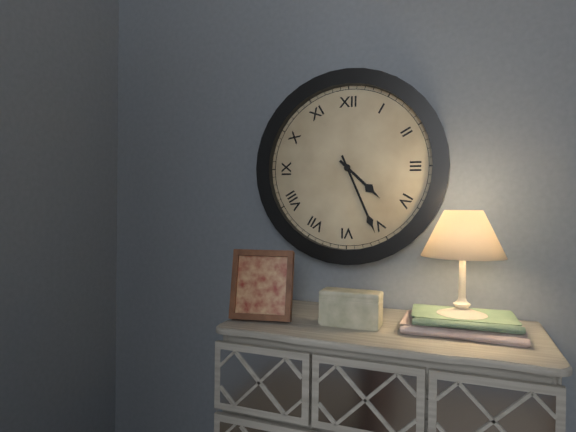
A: 4:26
